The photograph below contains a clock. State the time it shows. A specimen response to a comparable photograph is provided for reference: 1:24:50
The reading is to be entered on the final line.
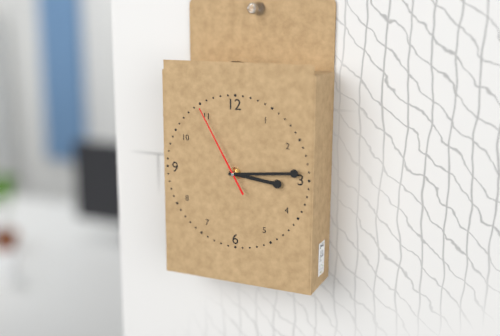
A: 3:14:55
